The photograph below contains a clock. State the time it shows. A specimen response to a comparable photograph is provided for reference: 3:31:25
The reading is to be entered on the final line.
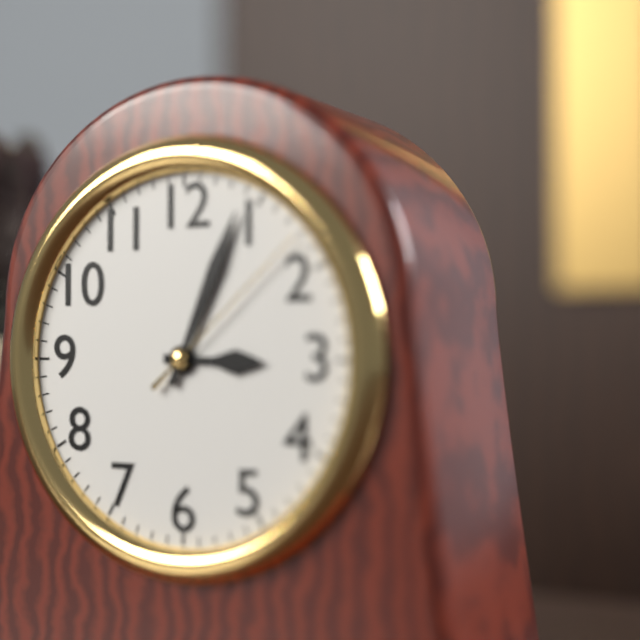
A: 3:04:08
